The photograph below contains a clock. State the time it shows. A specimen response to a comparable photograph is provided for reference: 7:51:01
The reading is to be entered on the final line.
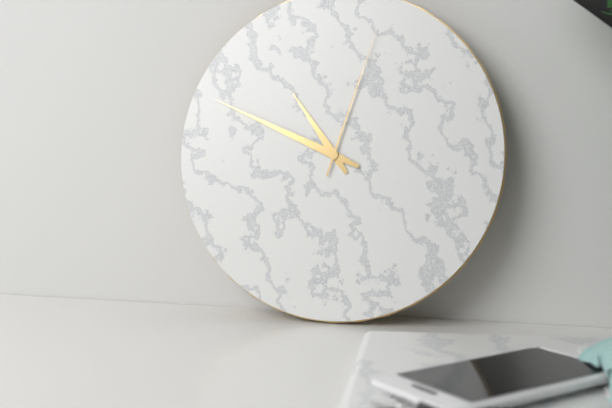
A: 10:49:03
